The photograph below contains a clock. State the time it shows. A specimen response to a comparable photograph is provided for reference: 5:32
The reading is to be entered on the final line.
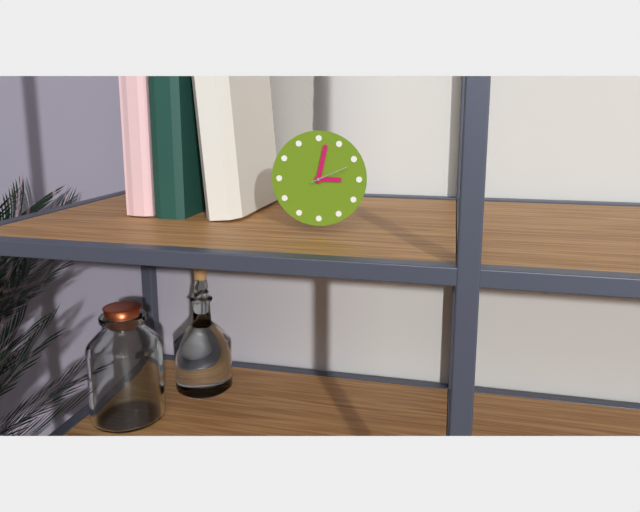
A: 3:02
